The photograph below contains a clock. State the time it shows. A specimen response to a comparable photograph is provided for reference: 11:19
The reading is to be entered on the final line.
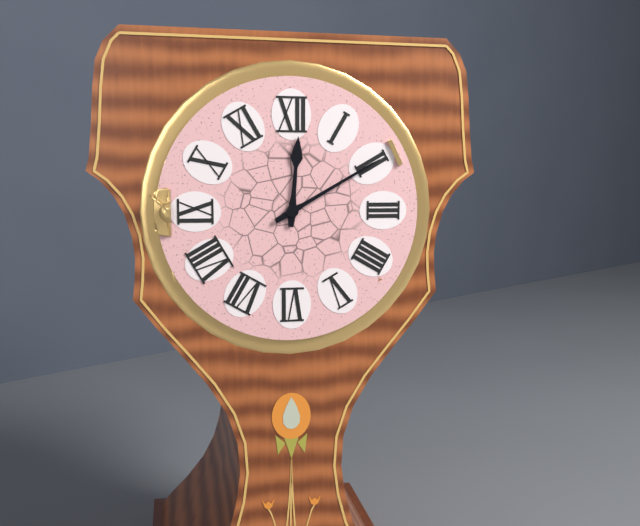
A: 12:10
